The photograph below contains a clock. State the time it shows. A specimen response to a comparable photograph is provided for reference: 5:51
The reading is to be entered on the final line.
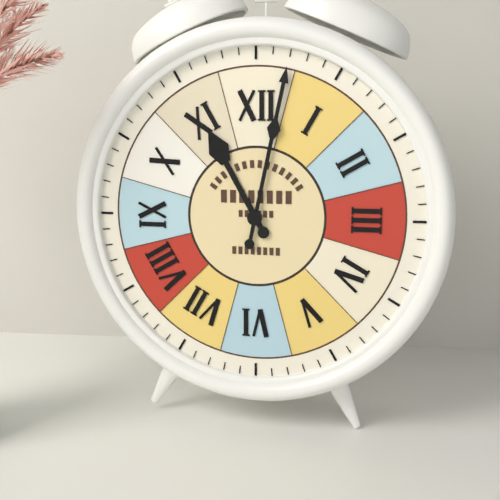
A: 11:02
